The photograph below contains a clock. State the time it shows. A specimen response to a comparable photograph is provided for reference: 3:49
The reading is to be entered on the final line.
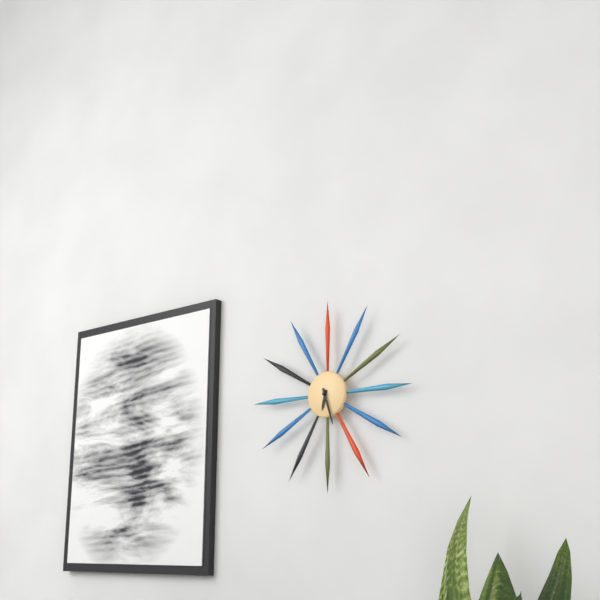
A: 6:27
